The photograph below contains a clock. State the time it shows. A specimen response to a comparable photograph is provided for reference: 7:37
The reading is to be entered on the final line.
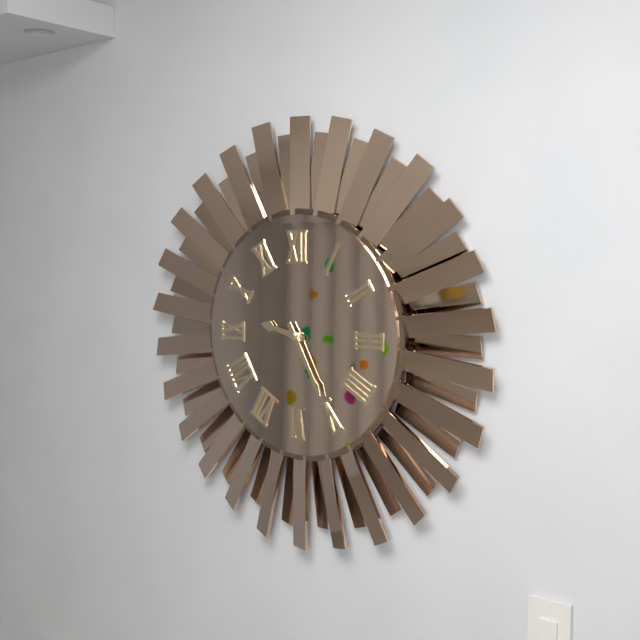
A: 9:25
